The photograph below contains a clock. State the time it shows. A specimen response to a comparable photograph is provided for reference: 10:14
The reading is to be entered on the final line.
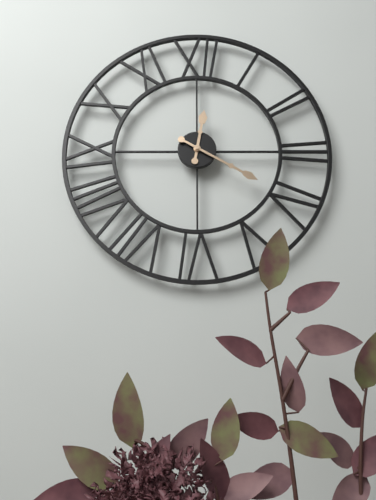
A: 12:20
